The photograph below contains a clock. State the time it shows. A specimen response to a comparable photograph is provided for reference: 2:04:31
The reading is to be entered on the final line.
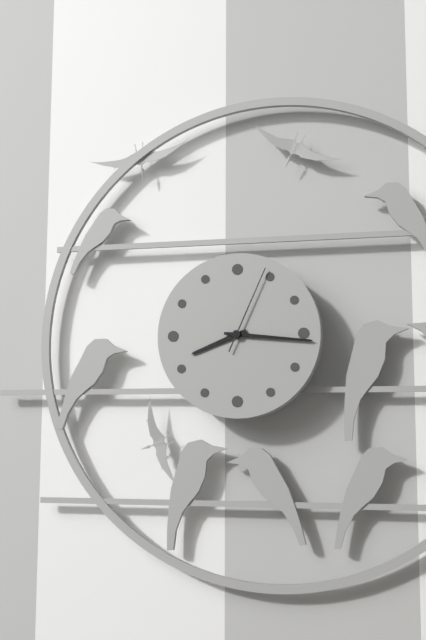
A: 8:16:04
